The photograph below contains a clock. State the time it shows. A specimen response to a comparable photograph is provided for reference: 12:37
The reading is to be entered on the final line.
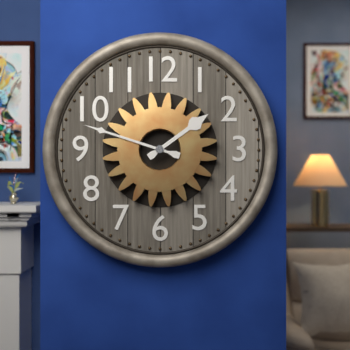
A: 1:48
